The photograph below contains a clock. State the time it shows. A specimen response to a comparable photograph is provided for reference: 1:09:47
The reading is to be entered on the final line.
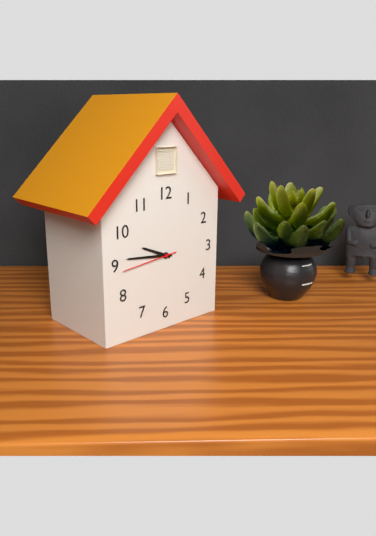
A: 9:46:44
